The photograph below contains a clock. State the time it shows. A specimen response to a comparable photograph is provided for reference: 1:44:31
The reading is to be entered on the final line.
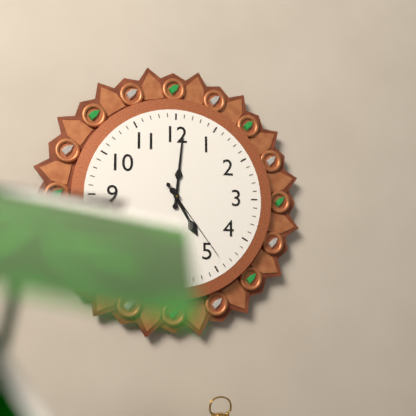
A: 5:01:24
